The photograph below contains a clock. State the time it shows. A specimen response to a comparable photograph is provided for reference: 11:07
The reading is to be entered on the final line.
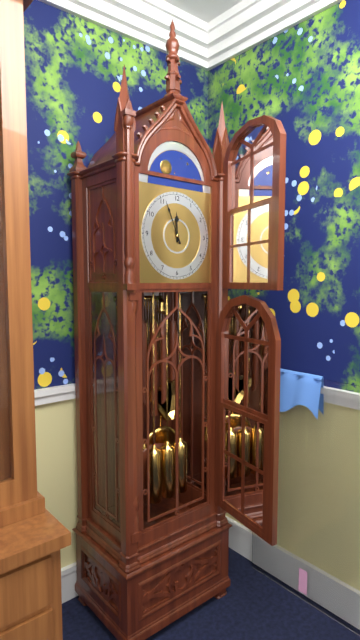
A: 11:56
